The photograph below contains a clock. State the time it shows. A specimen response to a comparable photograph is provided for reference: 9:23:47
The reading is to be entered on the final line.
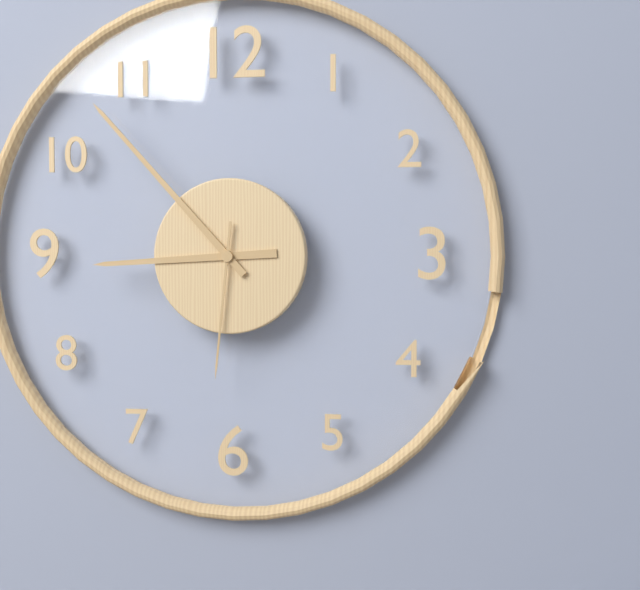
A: 8:53:31
